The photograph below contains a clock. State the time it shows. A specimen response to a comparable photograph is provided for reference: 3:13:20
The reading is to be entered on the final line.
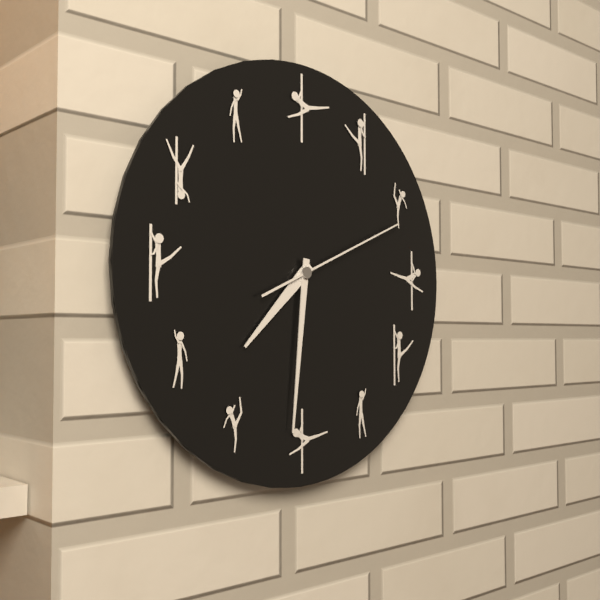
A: 7:31:11
